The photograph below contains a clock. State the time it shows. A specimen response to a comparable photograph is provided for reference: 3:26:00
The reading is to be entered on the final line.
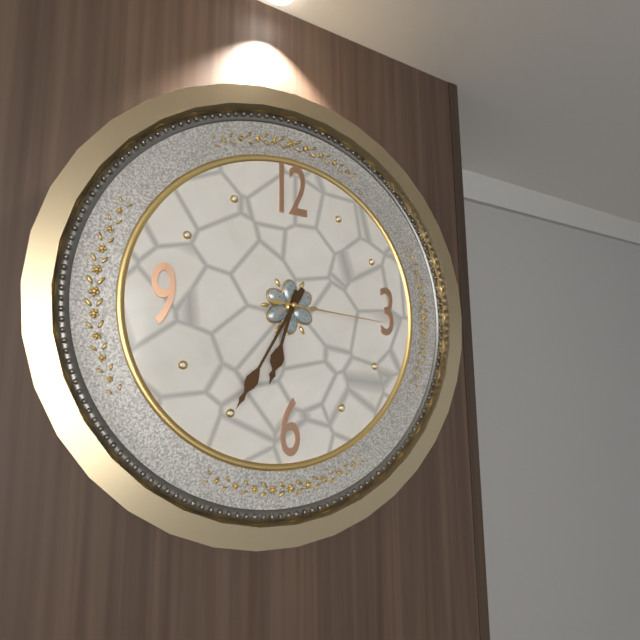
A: 6:35:16
